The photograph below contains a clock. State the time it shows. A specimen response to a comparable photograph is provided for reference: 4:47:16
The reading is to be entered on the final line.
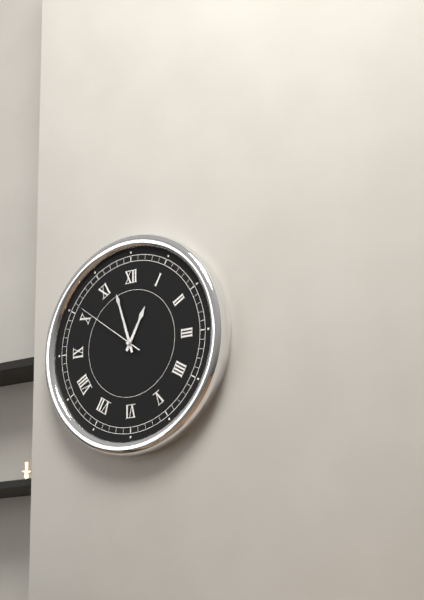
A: 12:57:51
